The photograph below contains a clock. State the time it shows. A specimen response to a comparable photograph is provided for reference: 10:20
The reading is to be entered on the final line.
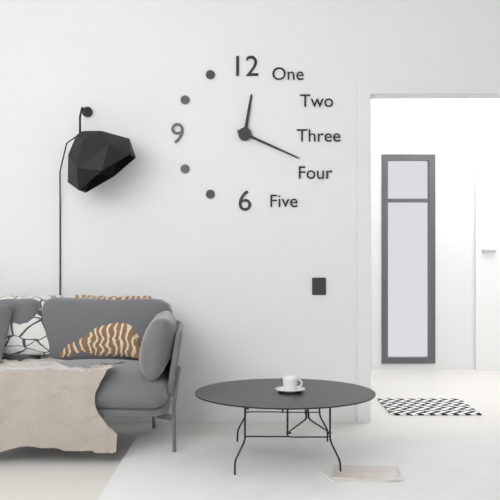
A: 12:19
